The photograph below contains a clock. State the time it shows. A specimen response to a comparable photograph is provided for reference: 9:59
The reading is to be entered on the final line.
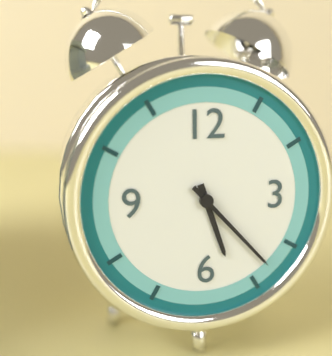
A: 5:23
